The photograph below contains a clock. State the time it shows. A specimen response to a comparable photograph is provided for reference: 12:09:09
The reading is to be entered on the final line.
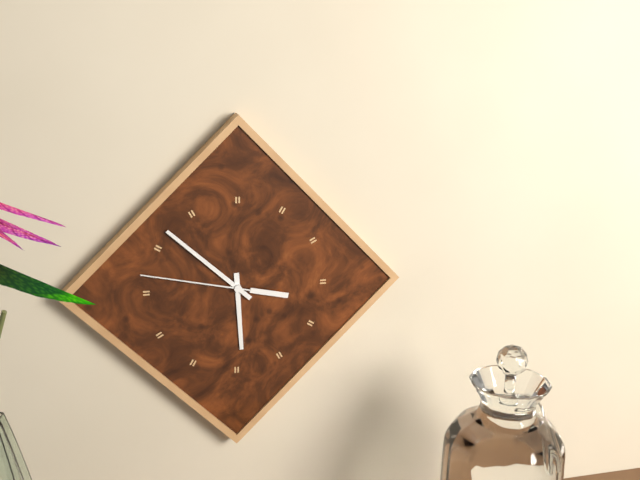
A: 5:52:47
